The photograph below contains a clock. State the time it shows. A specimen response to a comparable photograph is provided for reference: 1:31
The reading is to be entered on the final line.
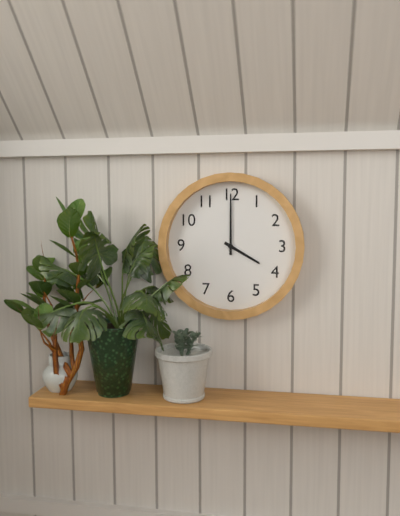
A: 4:00
